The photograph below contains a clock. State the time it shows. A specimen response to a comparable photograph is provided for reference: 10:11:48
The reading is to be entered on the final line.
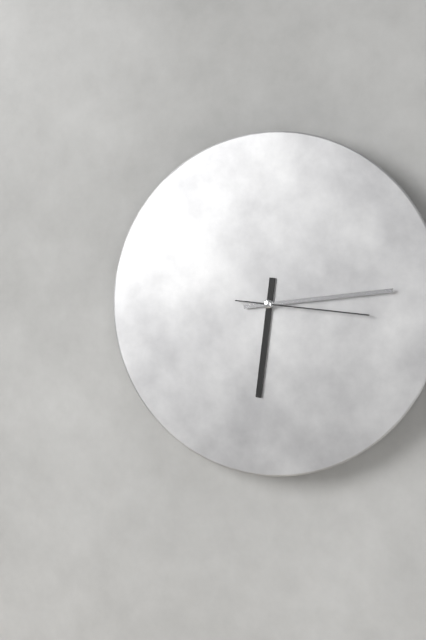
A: 6:14:16
